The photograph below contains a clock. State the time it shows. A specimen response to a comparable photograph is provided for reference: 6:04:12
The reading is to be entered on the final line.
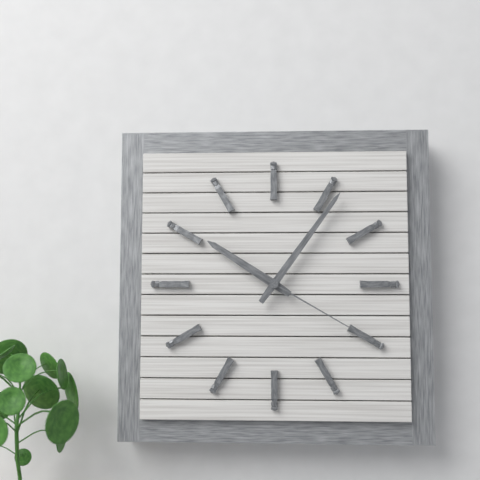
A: 10:06:20
